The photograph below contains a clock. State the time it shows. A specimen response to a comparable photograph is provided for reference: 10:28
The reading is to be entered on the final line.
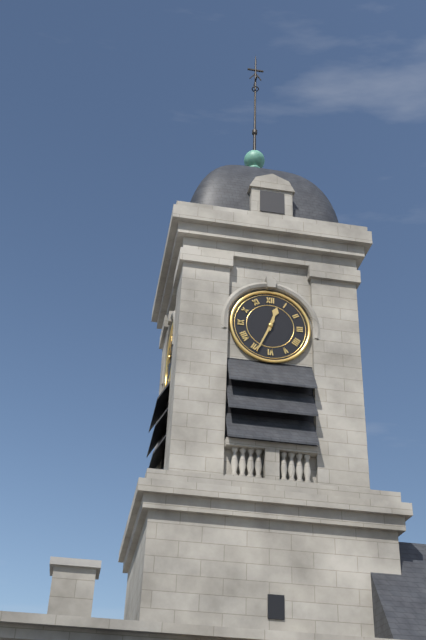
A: 12:34
